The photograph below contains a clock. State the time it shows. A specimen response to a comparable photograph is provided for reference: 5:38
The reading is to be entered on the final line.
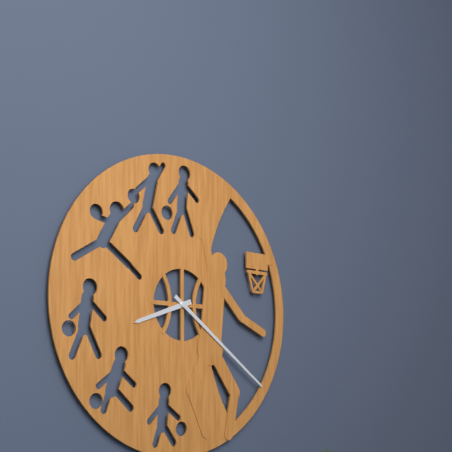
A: 8:21
